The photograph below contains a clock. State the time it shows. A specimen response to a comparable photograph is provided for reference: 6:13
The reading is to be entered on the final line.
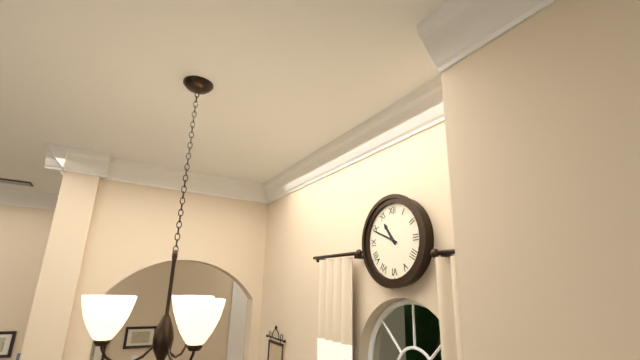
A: 10:49
